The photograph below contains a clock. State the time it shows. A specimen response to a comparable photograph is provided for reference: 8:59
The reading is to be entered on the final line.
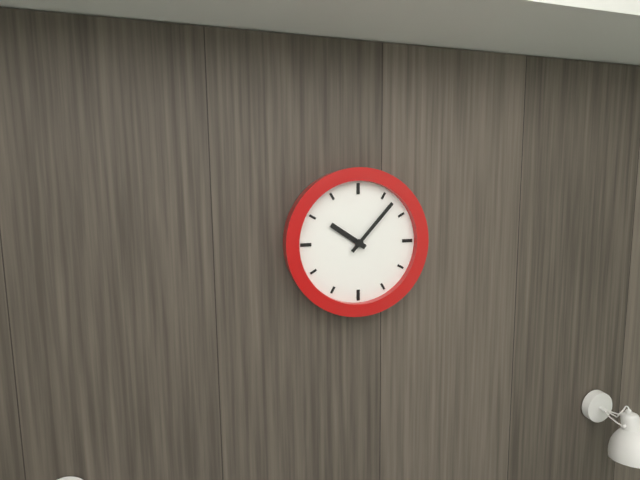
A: 10:07
